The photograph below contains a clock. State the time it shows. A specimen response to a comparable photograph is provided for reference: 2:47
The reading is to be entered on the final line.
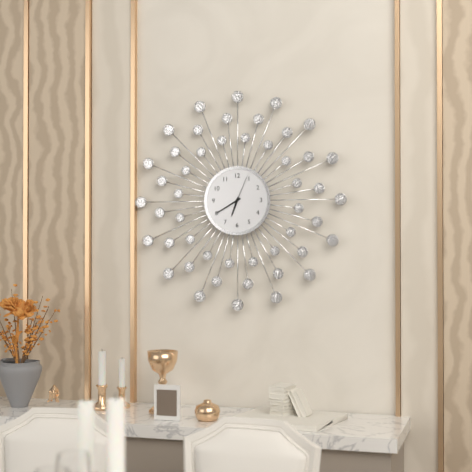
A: 6:40
